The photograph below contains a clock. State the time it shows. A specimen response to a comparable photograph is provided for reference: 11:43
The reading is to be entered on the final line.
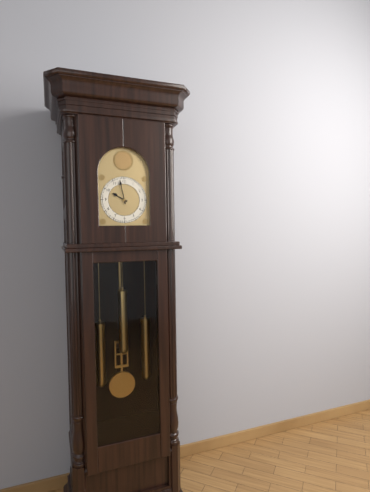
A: 9:58
